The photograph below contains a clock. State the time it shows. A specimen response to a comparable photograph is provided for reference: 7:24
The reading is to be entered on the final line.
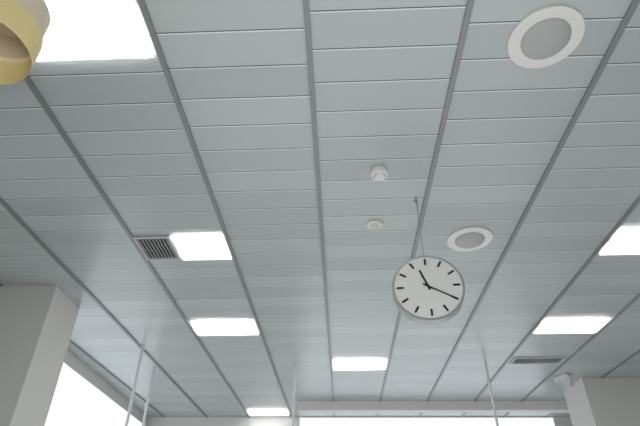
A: 11:20
